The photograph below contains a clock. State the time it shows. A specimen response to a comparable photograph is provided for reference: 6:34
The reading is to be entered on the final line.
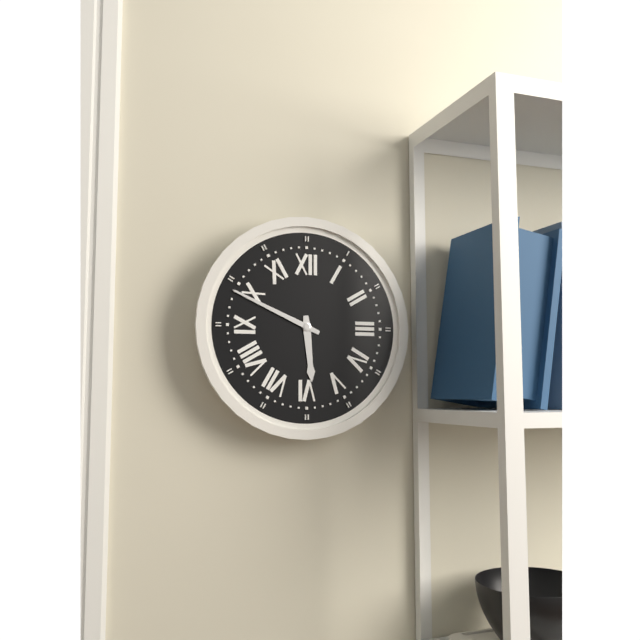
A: 5:49
